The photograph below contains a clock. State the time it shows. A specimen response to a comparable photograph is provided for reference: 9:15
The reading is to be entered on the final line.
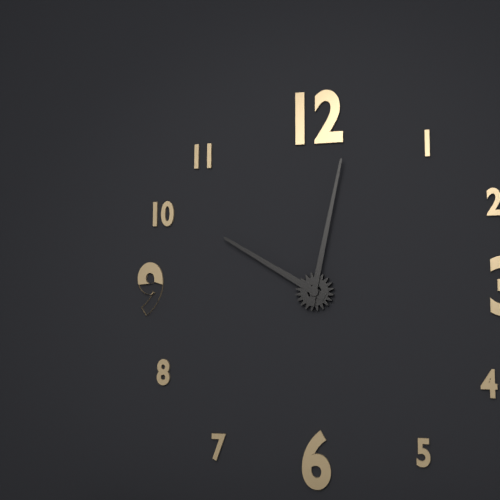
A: 10:02
